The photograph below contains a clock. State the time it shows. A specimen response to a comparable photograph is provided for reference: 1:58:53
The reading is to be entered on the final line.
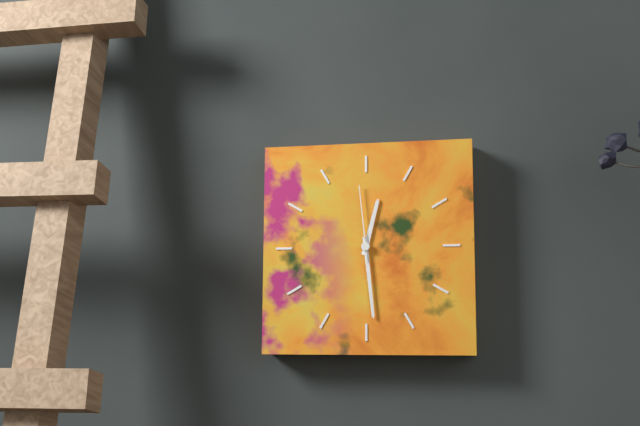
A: 12:29:59
